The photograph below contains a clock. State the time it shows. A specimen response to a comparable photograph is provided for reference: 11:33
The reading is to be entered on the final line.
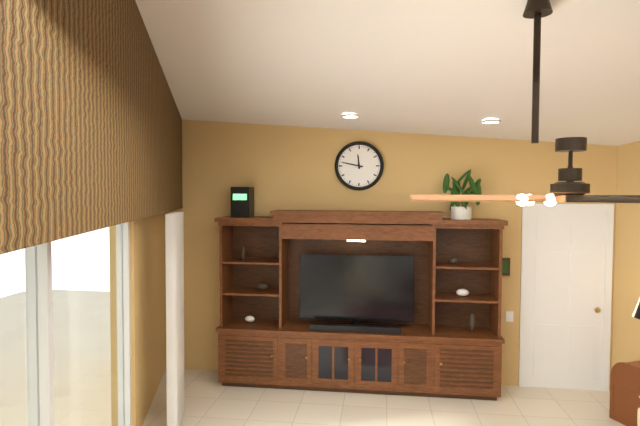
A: 11:47
